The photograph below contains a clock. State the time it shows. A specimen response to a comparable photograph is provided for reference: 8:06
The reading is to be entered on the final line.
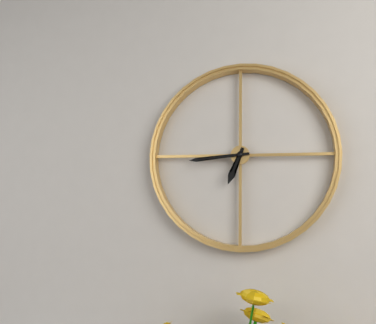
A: 6:44
